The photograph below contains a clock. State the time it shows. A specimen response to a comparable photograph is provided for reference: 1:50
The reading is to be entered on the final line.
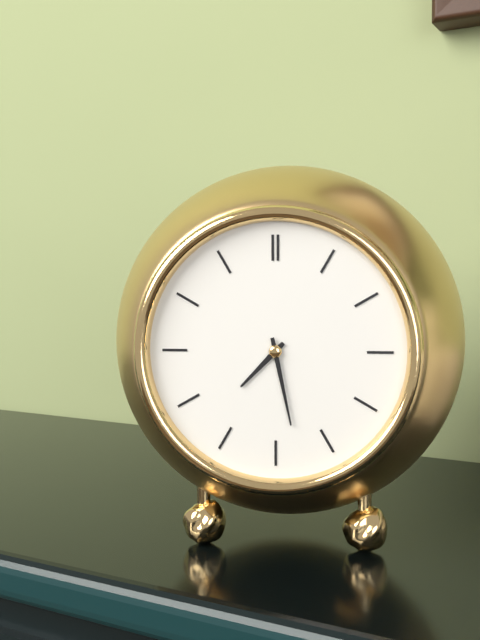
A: 7:28
